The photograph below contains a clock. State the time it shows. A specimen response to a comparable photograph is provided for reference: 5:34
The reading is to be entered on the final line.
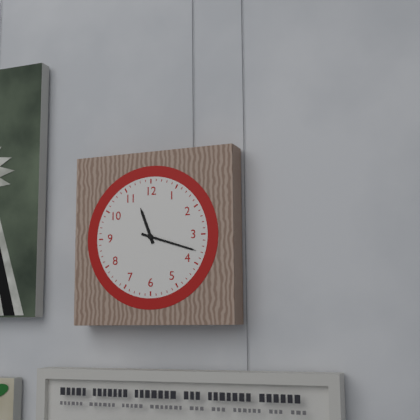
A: 11:18
